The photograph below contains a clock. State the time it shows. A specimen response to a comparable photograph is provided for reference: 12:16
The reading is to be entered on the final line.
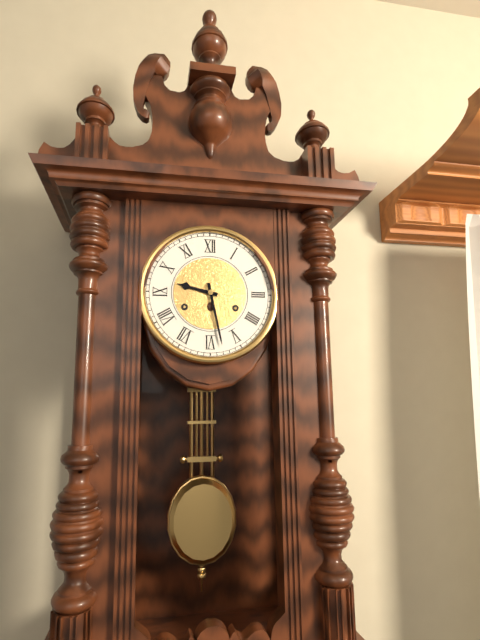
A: 9:28
